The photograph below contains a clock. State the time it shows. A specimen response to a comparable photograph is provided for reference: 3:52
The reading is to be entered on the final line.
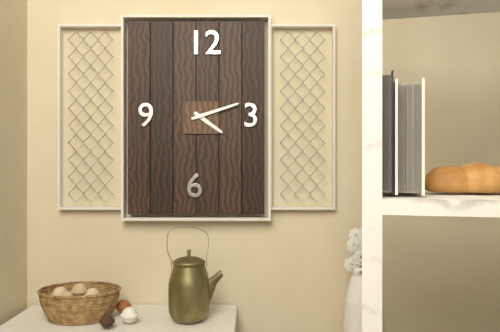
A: 4:12
